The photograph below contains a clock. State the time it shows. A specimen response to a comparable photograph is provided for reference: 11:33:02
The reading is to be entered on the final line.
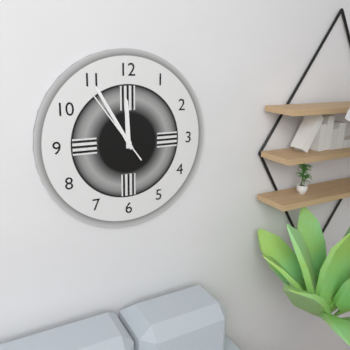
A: 11:55:54
